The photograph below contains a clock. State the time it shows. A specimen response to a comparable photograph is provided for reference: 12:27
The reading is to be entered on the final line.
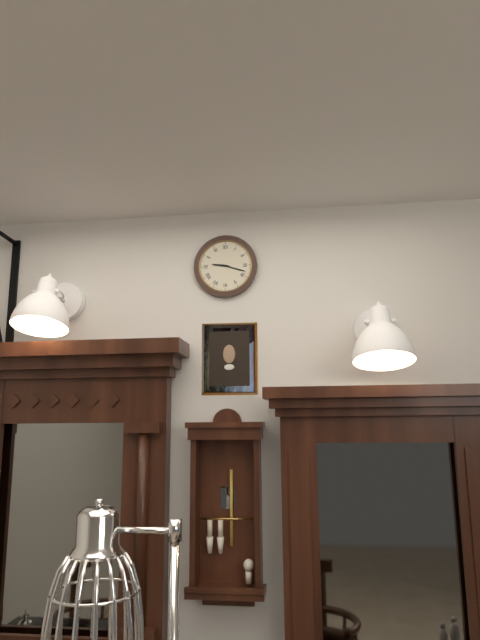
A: 9:18
